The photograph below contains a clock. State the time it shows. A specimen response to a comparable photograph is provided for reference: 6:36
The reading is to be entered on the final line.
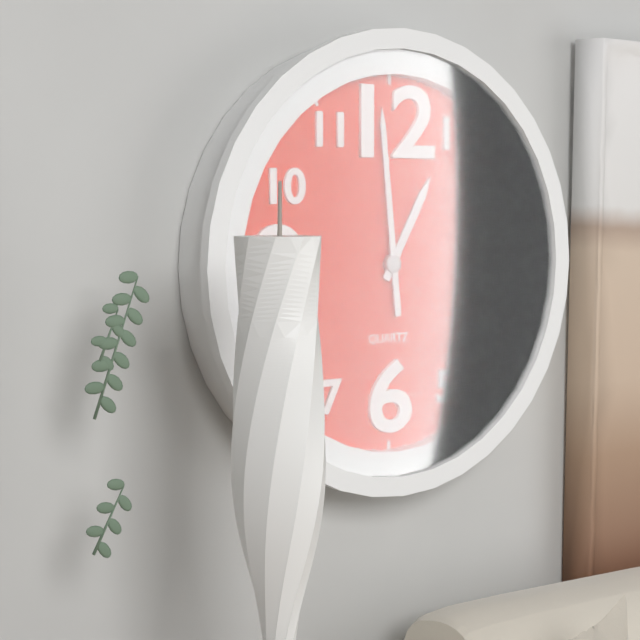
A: 12:59
